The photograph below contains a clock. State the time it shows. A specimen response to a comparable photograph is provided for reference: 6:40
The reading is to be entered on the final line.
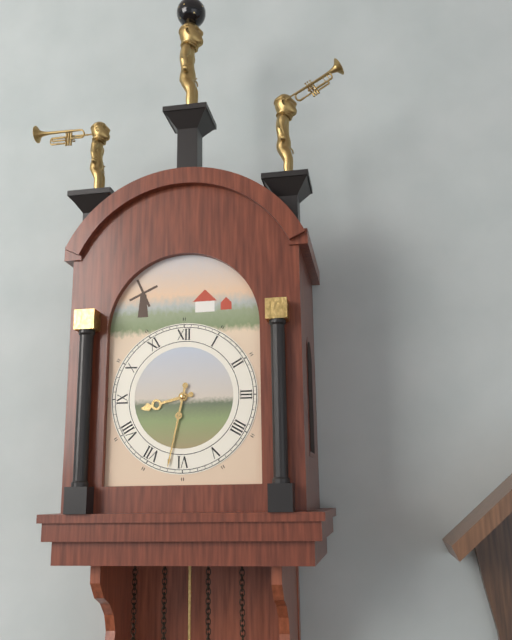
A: 8:32
